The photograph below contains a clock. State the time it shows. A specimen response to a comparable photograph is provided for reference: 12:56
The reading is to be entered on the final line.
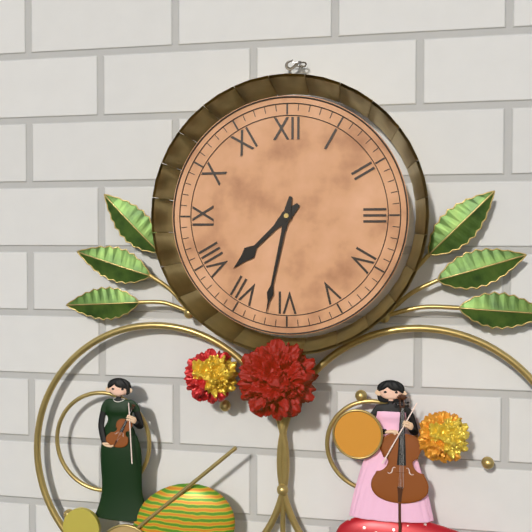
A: 7:32
